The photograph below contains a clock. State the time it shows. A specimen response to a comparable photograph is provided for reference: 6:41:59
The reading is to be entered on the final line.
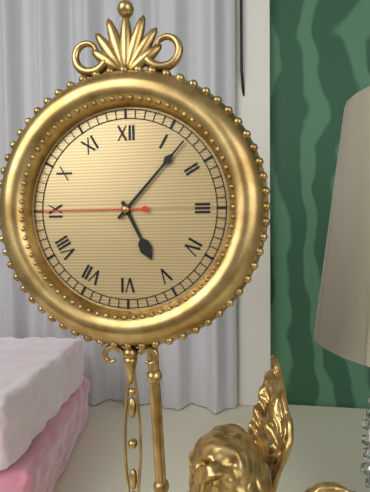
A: 5:07:45
